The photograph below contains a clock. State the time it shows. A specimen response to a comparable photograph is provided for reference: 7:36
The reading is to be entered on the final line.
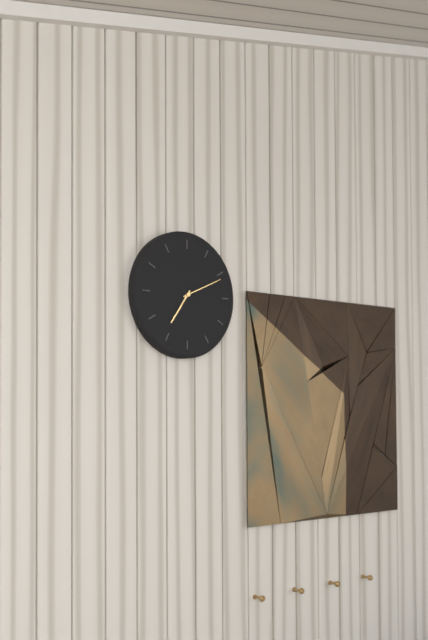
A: 7:11
